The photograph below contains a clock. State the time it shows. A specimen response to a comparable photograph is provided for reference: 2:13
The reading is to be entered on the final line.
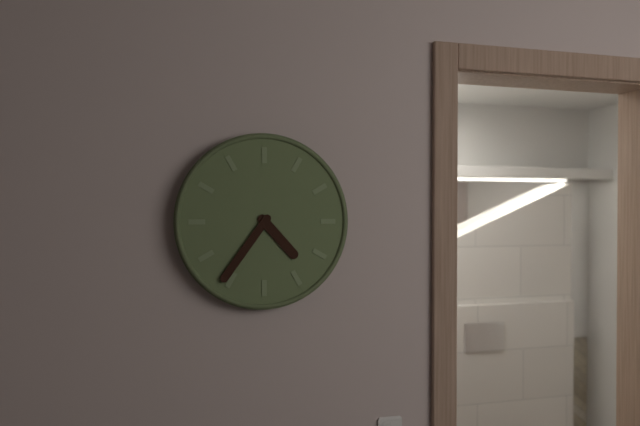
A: 4:36
